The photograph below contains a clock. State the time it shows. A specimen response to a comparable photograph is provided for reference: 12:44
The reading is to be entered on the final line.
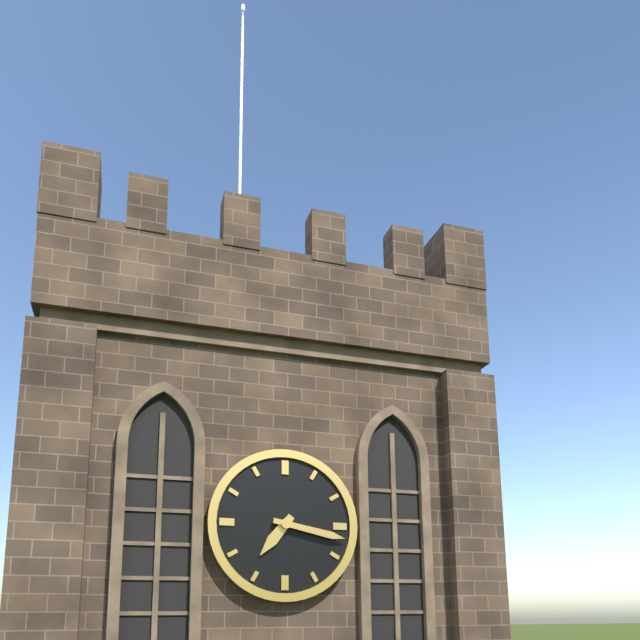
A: 7:17
